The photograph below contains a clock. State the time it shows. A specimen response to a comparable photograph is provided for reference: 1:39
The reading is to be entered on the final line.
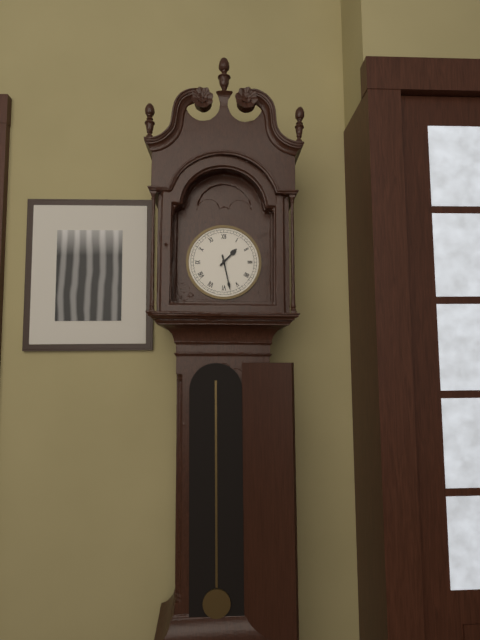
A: 1:28
